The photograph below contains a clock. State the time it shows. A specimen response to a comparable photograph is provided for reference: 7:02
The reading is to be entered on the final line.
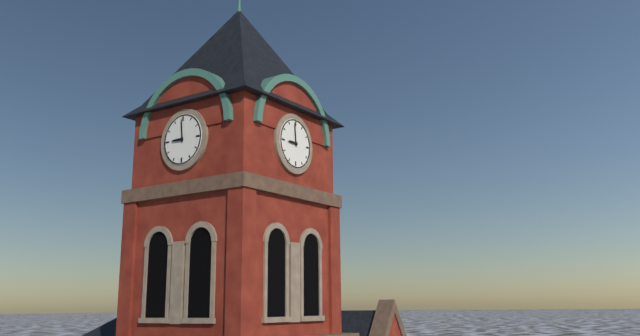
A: 8:59
